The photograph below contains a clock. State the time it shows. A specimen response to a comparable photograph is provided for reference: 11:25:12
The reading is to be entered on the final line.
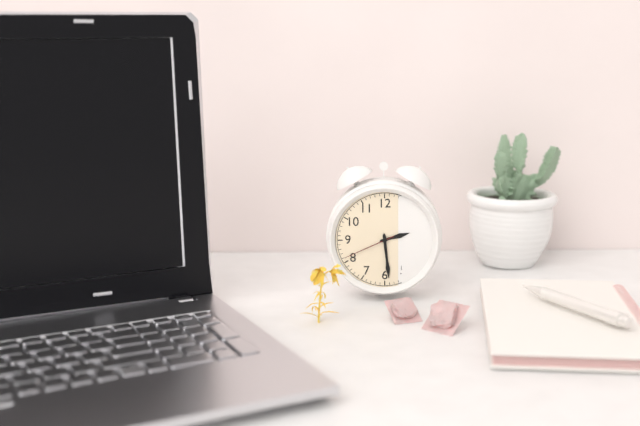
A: 2:29:41
